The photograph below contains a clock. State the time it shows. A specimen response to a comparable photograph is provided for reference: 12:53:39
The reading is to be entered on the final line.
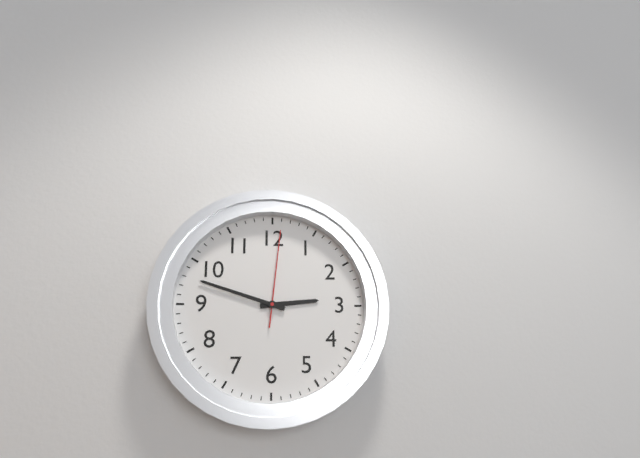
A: 2:48:01
